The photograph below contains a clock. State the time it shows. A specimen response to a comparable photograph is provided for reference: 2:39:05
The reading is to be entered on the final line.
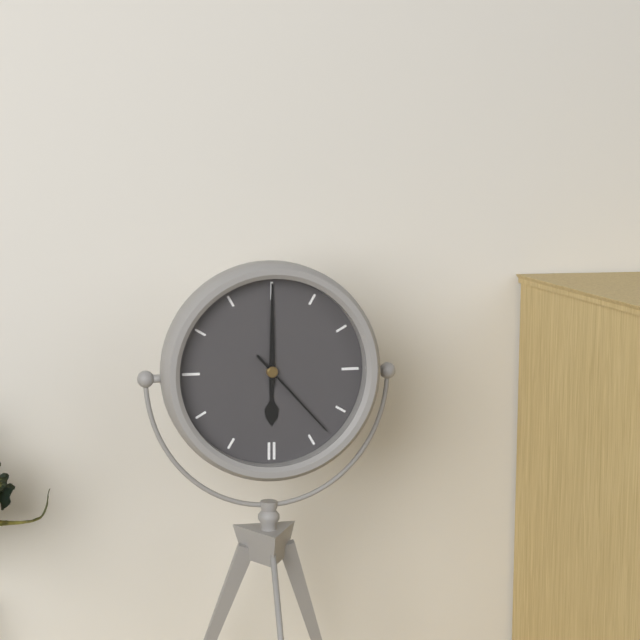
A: 6:00:23
